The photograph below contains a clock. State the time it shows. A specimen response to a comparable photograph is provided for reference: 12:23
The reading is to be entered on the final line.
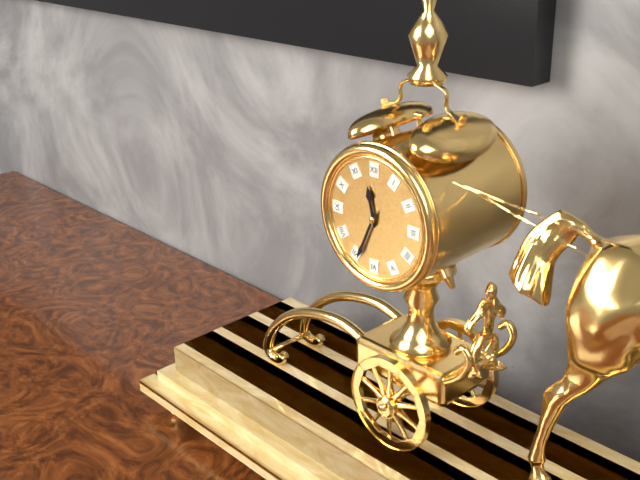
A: 11:34
